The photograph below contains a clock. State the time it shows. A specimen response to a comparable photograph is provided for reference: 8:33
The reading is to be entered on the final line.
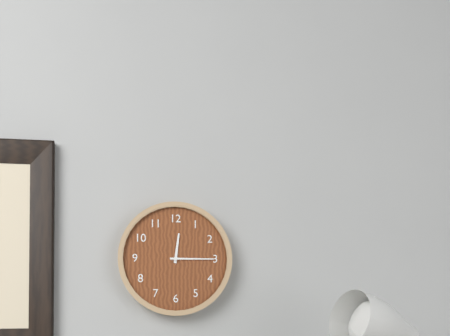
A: 12:15
